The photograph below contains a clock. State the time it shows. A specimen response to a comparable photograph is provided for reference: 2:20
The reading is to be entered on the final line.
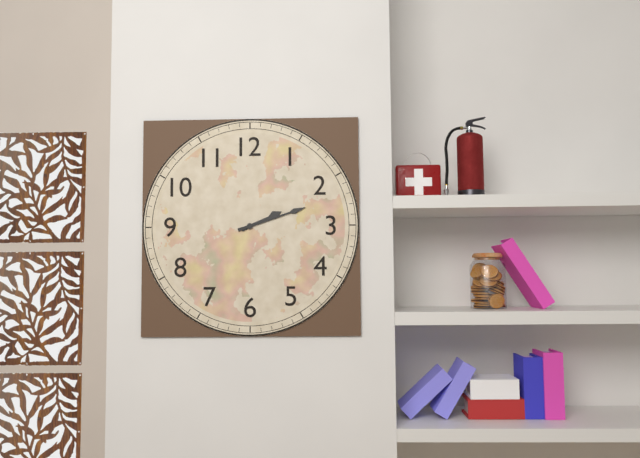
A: 2:12
